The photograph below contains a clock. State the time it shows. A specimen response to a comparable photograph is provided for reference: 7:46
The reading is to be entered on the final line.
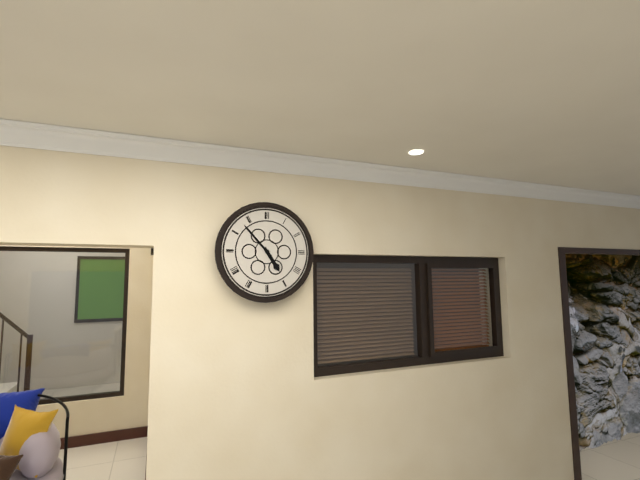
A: 4:53
